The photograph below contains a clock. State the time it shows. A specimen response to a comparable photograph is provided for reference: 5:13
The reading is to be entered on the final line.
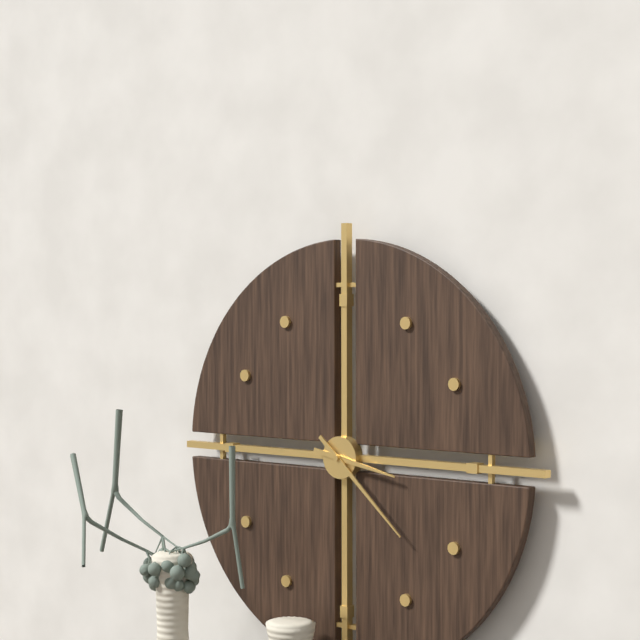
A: 3:22
